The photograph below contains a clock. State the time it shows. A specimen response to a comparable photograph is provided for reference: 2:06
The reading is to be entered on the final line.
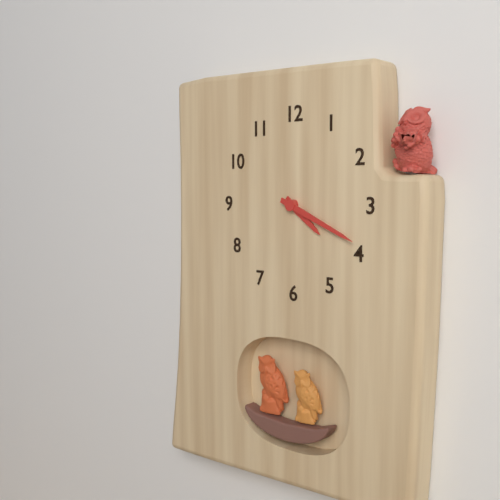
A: 4:19
